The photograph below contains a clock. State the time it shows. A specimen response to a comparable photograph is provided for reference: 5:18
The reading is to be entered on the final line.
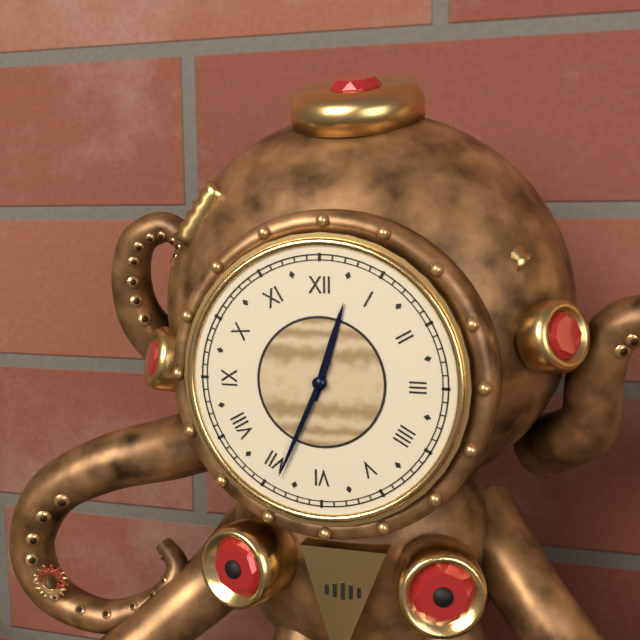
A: 12:34
